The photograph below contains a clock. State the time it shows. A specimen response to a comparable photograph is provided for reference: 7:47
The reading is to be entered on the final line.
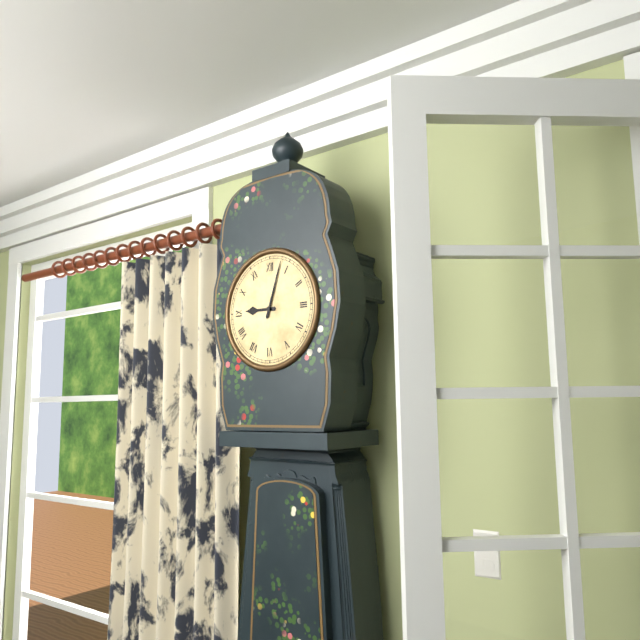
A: 9:03
